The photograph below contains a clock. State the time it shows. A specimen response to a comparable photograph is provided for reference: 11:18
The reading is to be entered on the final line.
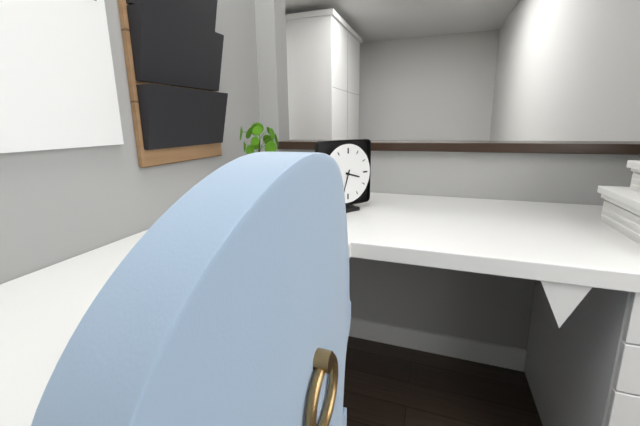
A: 3:33
